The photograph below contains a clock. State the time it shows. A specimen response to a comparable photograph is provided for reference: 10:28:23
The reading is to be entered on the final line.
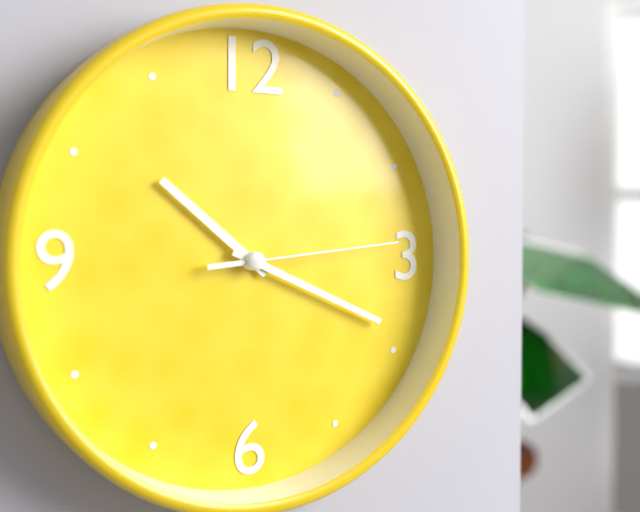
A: 10:19:14
